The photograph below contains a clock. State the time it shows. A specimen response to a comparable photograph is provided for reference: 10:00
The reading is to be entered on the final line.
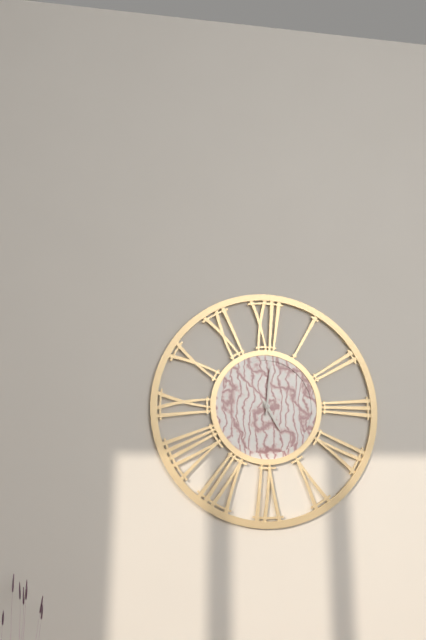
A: 5:01
